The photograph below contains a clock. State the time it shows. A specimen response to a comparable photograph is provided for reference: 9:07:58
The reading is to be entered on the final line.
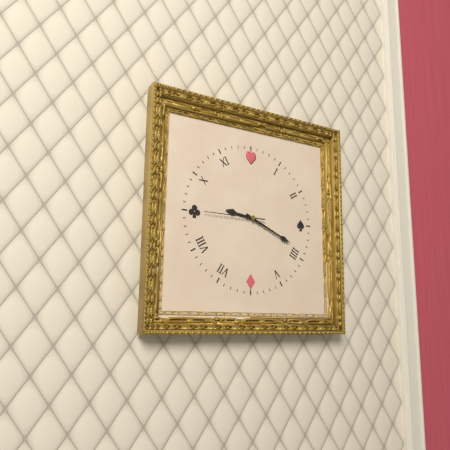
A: 9:19:45
